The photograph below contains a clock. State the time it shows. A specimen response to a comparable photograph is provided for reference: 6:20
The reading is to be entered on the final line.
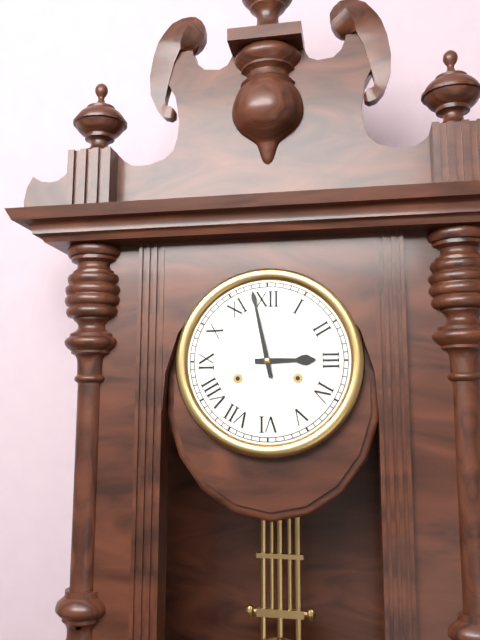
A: 2:58
